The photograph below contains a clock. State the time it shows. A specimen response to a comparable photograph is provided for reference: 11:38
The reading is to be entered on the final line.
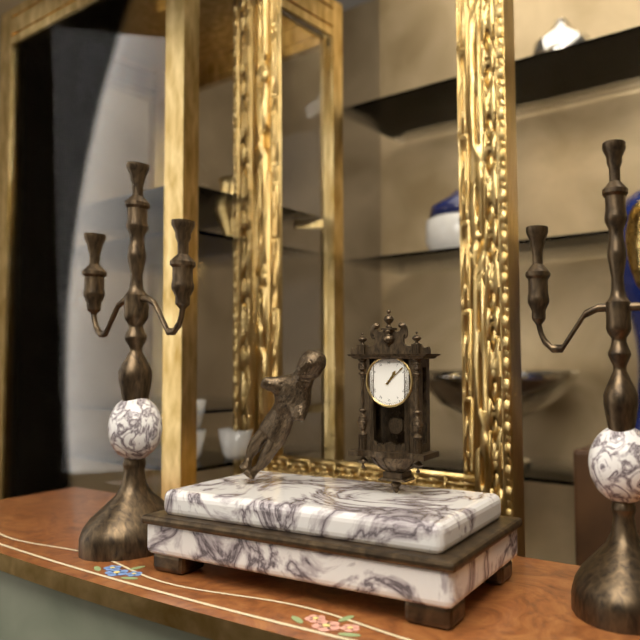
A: 1:08
